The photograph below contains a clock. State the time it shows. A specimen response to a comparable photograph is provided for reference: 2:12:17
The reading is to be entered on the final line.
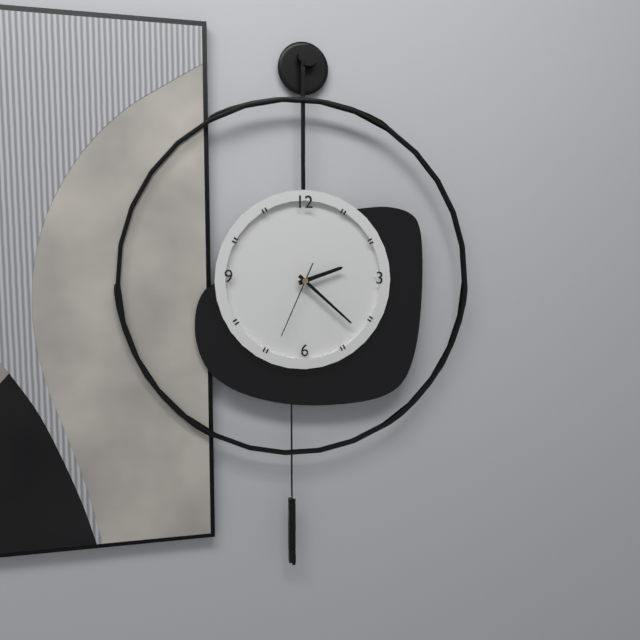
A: 2:22:34
